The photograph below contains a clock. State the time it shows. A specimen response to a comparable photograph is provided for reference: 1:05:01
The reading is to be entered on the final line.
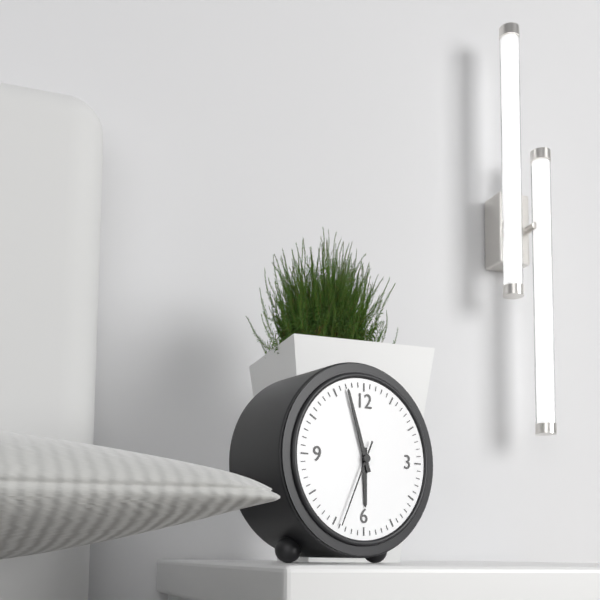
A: 5:57:34
